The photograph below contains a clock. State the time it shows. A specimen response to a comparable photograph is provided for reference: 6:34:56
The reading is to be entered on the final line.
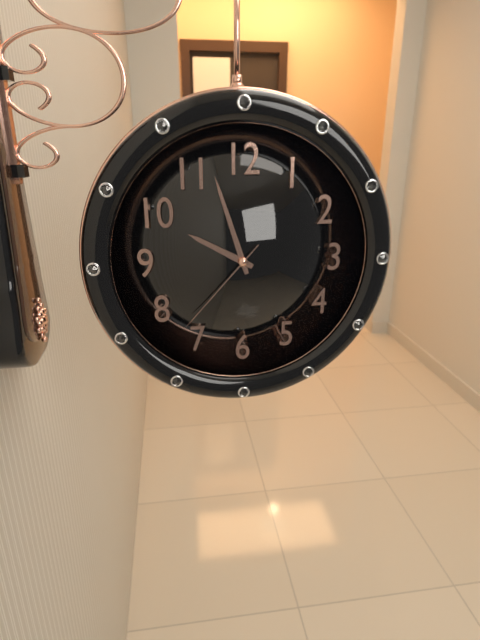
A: 9:57:37
